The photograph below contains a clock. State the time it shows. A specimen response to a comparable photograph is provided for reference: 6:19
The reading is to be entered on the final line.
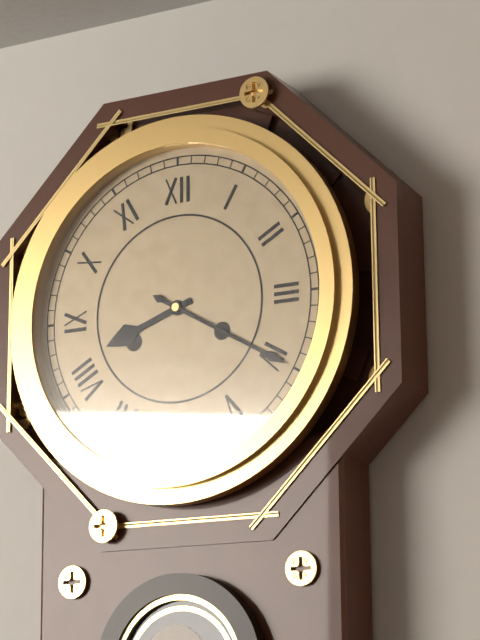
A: 8:20
